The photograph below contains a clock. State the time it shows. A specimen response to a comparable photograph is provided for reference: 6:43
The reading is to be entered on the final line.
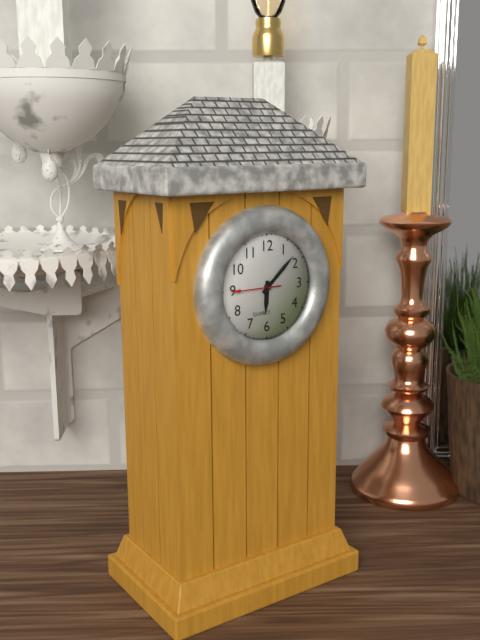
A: 6:08
